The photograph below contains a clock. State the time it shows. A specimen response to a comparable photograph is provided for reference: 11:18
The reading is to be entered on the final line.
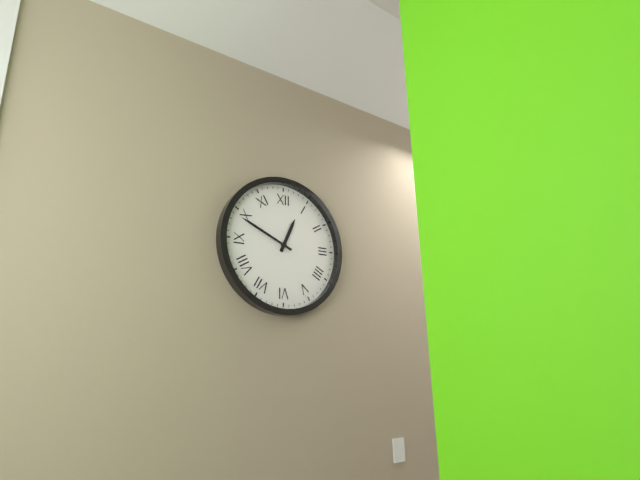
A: 12:49
